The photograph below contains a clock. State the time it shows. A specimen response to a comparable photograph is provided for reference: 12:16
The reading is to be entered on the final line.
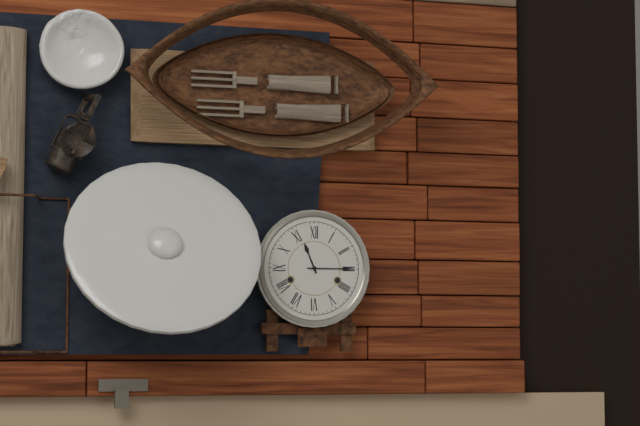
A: 11:15
